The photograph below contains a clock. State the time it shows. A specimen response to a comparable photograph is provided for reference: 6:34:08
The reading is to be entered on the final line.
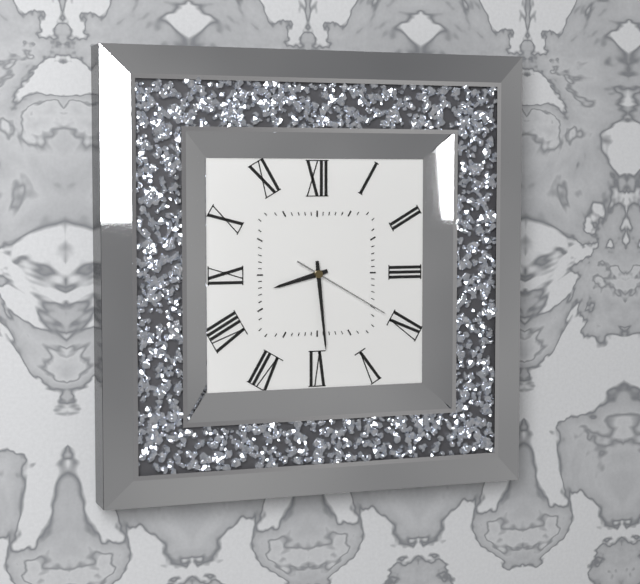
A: 8:29:20
